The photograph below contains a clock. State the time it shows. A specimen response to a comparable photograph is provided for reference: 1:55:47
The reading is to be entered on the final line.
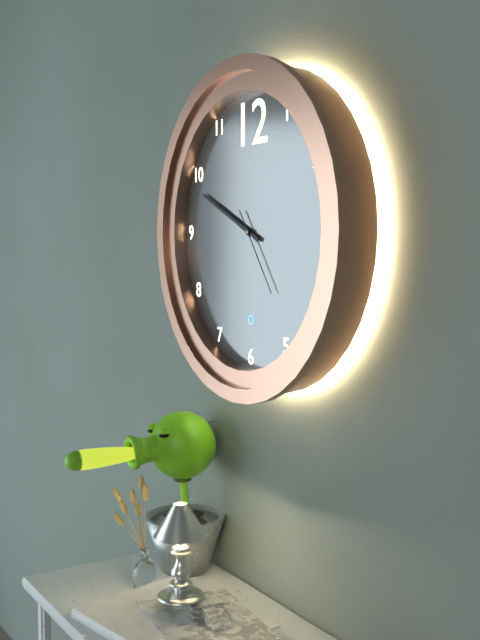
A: 9:49:24
